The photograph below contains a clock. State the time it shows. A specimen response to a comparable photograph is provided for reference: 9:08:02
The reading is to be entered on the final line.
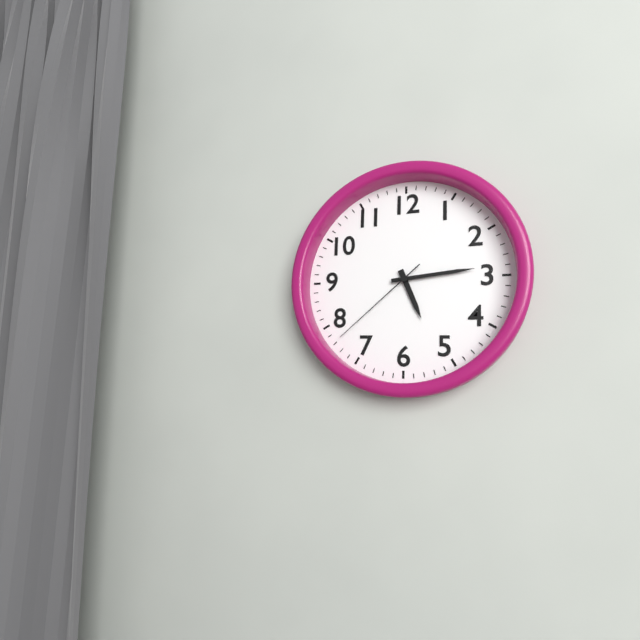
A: 5:14:38
